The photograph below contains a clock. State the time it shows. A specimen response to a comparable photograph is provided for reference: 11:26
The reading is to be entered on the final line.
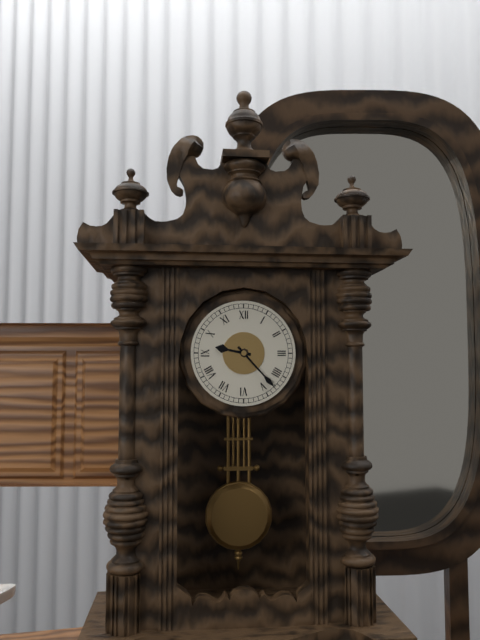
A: 9:23
